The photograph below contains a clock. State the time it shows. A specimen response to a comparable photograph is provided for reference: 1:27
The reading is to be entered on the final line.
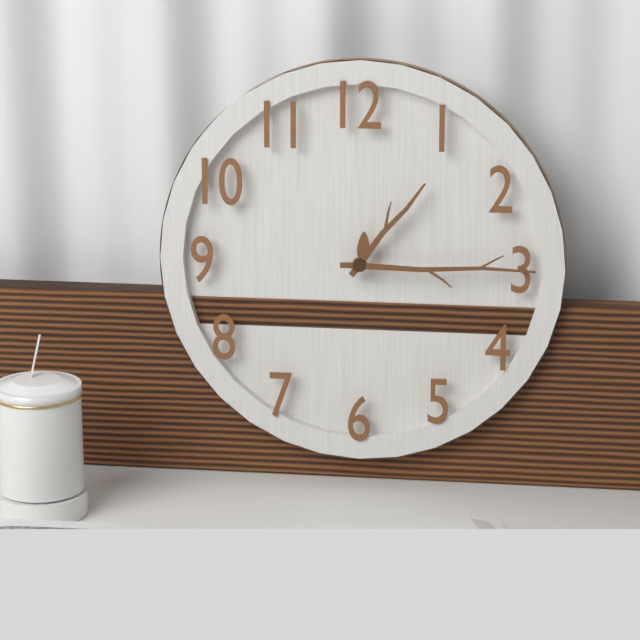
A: 1:15
